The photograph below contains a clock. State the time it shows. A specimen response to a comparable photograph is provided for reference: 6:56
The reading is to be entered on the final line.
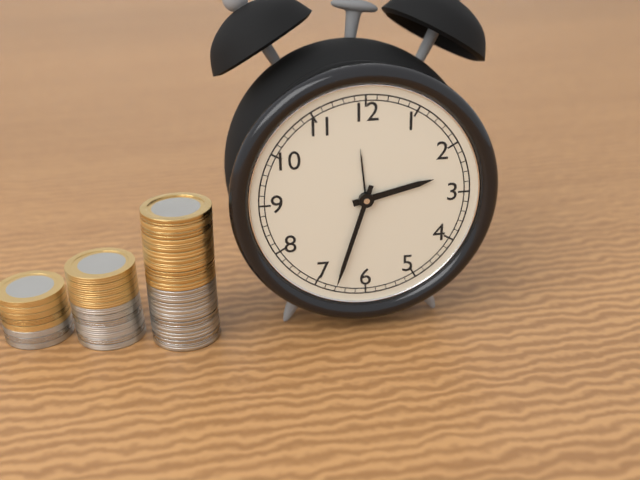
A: 2:33
